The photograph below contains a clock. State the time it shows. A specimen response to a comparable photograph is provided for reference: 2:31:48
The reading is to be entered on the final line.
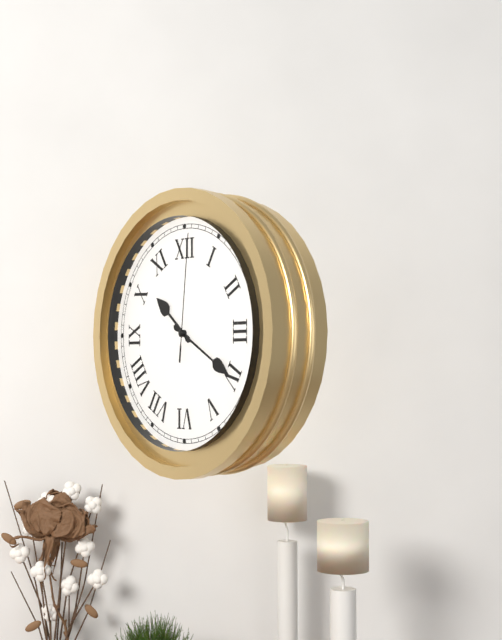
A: 10:20:01
